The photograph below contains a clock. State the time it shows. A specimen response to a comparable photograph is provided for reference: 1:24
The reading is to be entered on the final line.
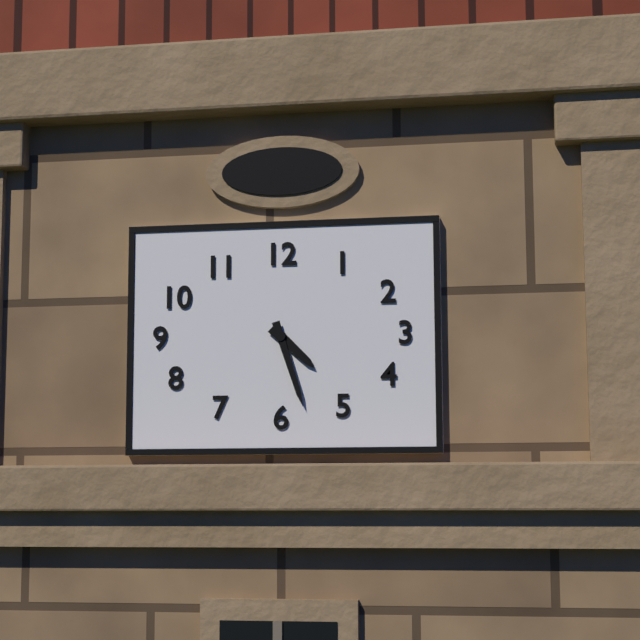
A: 4:27
